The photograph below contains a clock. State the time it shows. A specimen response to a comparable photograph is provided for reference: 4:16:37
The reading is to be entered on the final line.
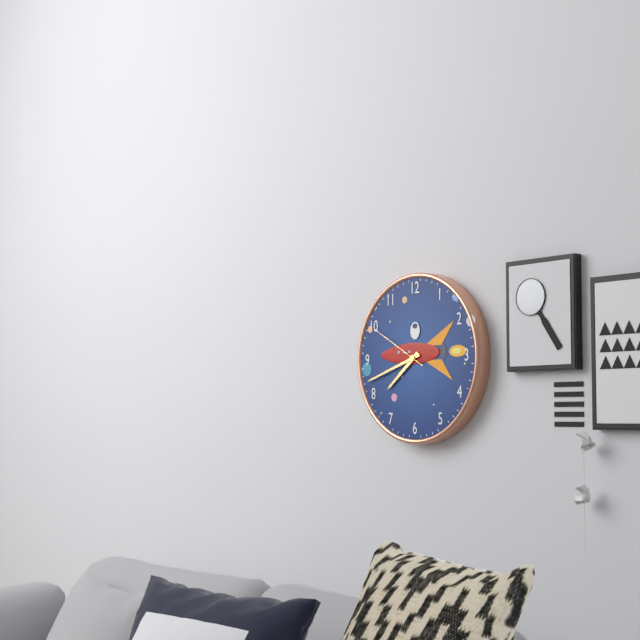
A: 7:42:50
